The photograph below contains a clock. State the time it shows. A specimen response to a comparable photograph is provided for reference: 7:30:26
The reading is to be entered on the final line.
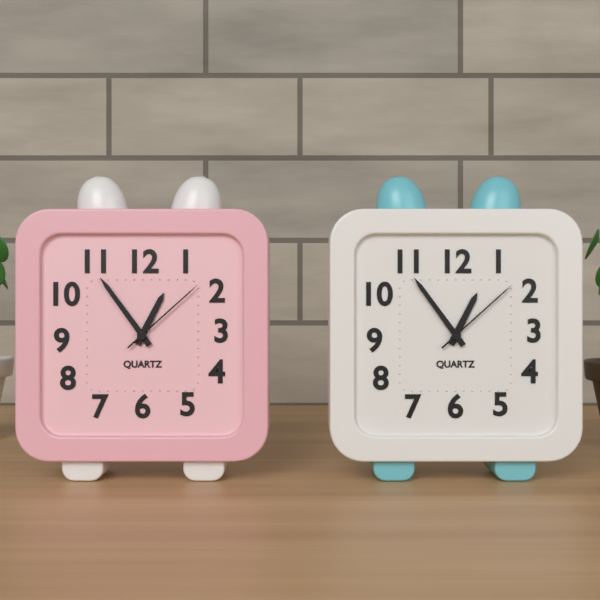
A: 12:54:08
